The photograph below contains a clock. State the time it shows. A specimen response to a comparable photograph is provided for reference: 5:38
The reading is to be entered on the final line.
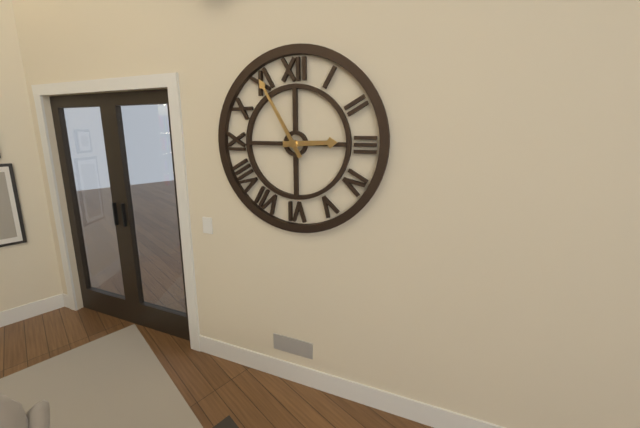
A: 2:55
